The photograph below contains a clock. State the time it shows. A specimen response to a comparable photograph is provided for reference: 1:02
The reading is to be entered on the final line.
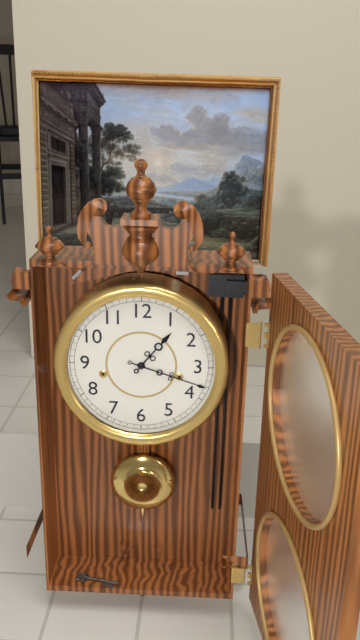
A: 1:18
